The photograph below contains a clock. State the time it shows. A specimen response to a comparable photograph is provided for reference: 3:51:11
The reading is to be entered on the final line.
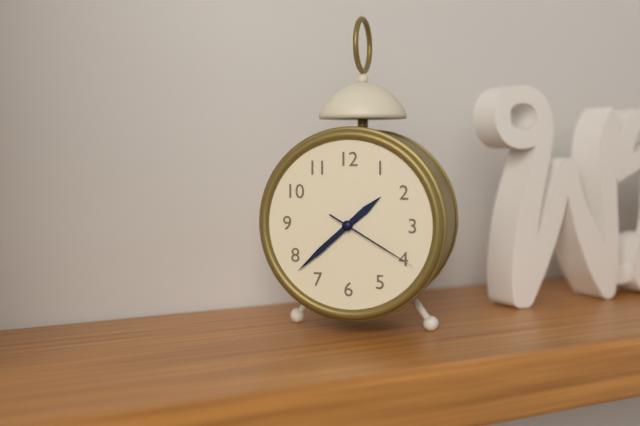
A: 1:38:20
